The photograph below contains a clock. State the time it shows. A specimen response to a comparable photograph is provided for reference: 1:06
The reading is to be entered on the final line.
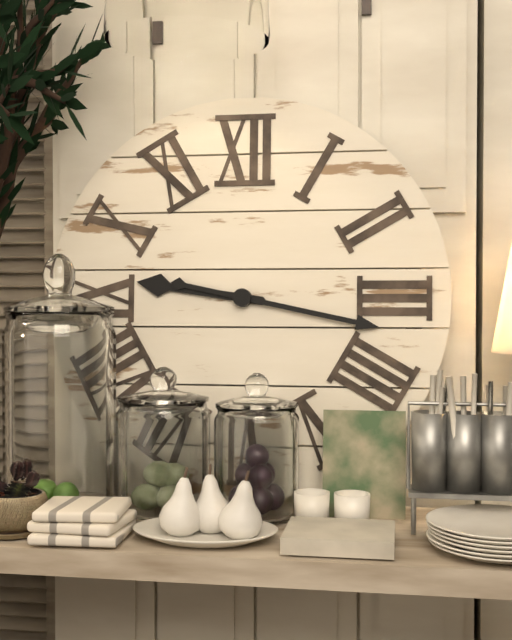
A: 9:17
